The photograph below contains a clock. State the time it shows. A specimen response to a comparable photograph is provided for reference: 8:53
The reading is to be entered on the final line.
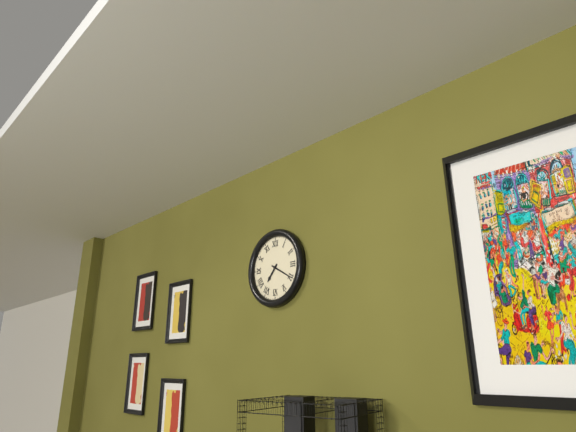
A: 7:20
